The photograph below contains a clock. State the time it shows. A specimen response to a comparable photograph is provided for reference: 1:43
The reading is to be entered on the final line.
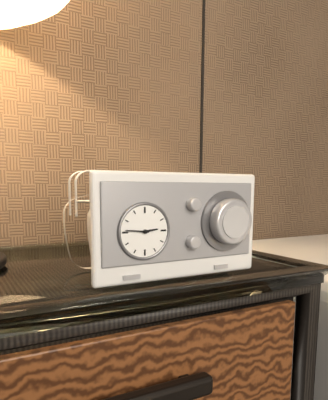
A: 2:46
